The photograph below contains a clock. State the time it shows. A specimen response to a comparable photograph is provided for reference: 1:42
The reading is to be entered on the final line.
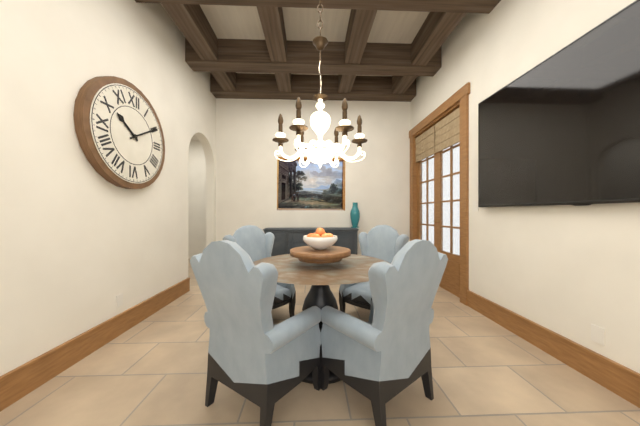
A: 10:10
